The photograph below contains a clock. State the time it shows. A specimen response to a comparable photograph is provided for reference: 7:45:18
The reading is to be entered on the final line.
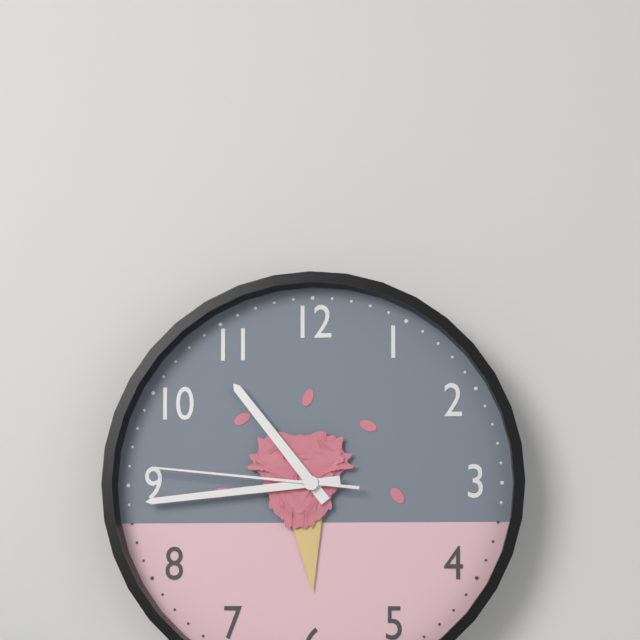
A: 10:44:46
